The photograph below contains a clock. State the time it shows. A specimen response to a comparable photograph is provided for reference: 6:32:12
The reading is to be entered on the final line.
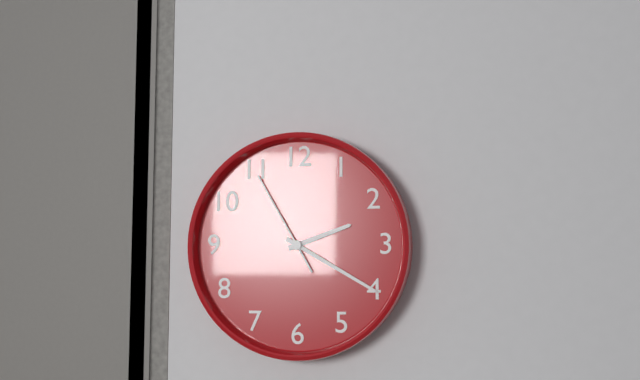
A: 2:20:55
